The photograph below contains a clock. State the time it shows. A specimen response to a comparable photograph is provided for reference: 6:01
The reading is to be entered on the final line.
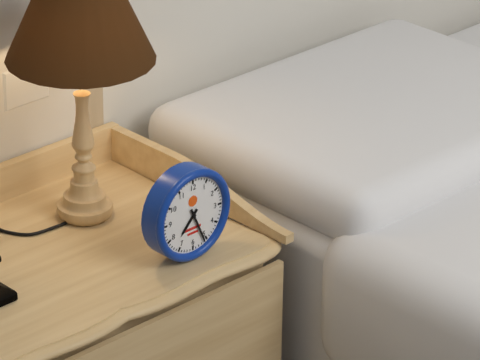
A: 7:26
